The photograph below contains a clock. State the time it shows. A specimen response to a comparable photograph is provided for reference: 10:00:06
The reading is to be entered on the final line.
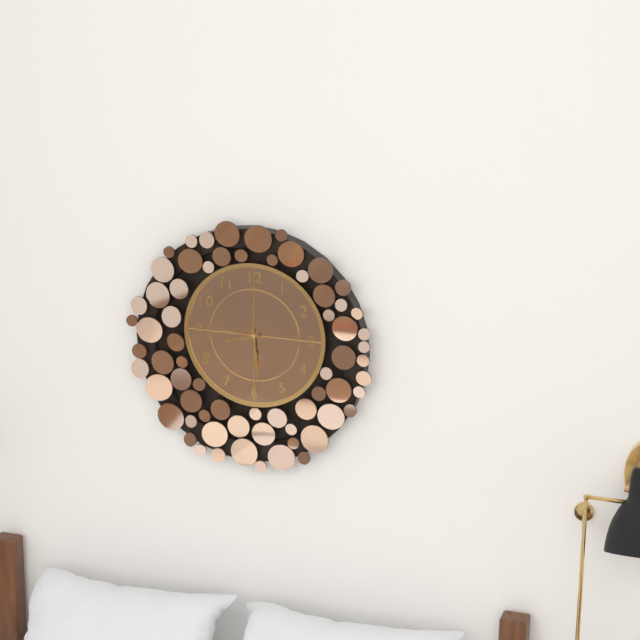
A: 8:29:46
